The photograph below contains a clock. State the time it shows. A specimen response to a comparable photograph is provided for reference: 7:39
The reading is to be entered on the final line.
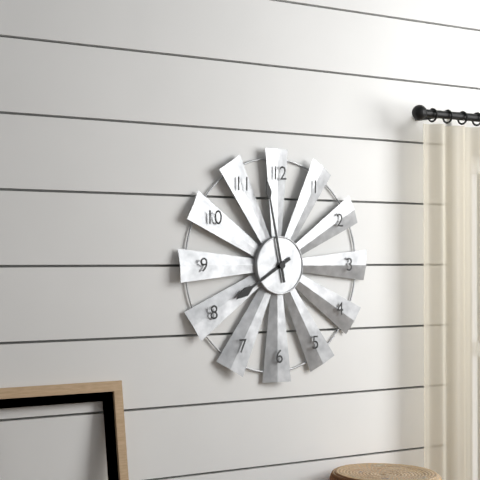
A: 7:58
